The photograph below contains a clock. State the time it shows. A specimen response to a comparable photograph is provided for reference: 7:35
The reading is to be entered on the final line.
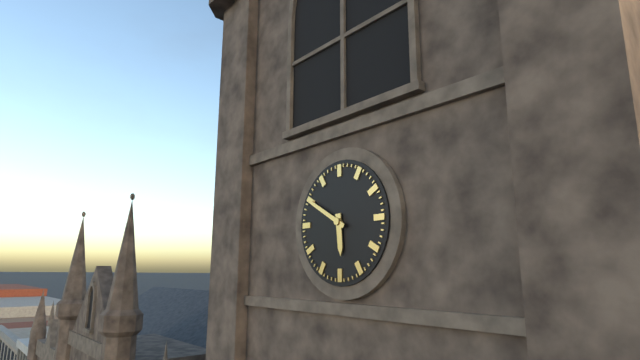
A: 5:50
